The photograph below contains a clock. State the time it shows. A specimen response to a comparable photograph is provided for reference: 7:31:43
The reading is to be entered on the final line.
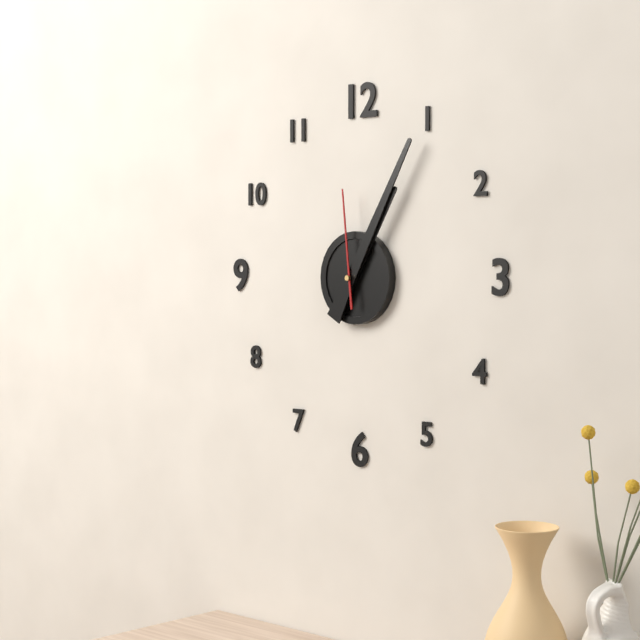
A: 1:05:59
